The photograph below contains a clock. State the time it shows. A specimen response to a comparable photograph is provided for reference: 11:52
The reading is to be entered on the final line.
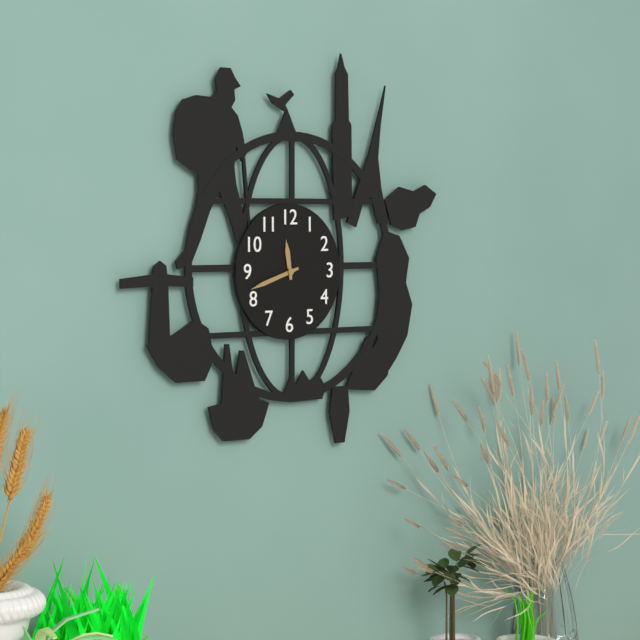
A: 11:42
